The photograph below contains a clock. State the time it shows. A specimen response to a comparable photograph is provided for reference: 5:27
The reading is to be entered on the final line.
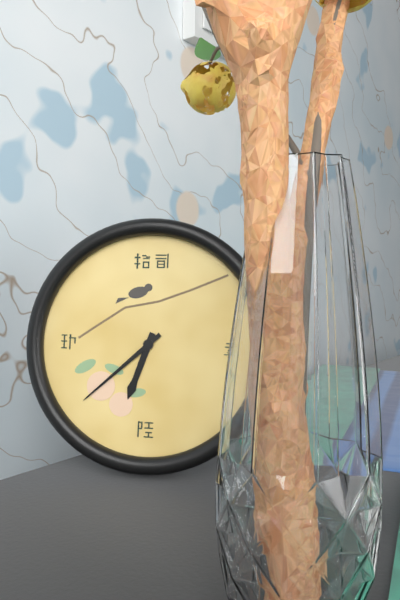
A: 6:38
